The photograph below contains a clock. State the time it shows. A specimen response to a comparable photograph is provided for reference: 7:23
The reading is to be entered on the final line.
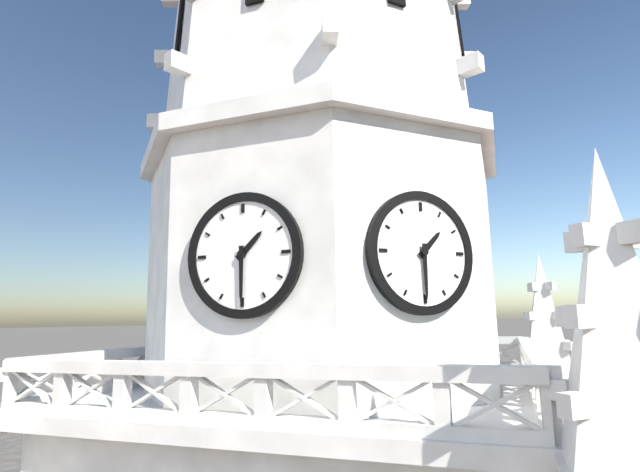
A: 1:30
